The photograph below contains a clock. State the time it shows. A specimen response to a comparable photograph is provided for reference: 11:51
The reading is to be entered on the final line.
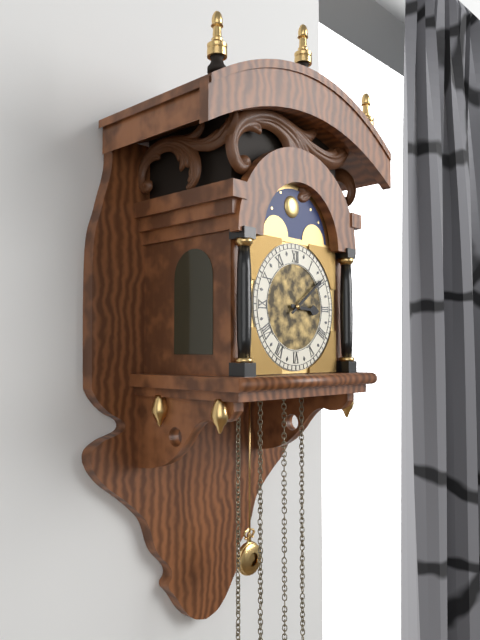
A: 3:09
